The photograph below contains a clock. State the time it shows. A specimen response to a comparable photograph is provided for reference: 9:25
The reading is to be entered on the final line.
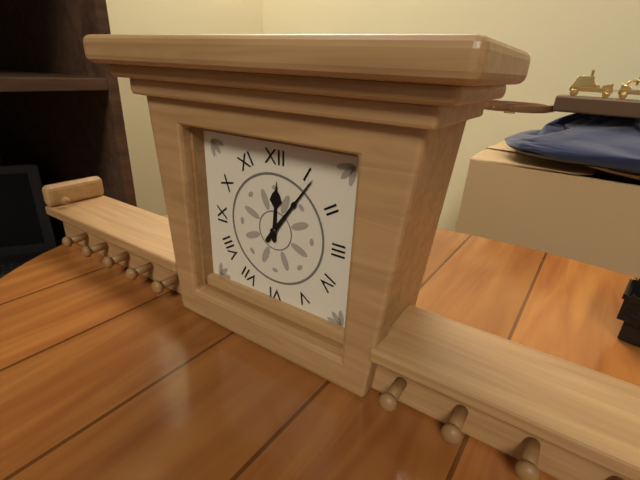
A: 12:06
